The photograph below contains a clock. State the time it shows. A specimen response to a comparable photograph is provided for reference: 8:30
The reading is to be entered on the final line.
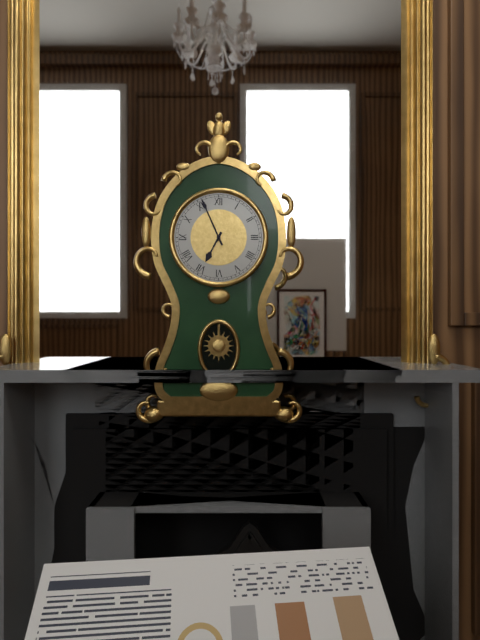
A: 6:56
